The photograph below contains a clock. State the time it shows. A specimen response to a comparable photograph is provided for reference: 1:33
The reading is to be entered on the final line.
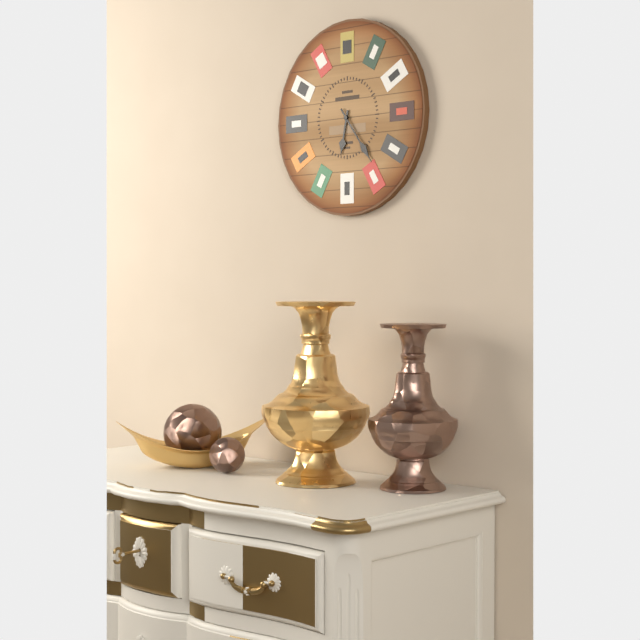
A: 6:24
